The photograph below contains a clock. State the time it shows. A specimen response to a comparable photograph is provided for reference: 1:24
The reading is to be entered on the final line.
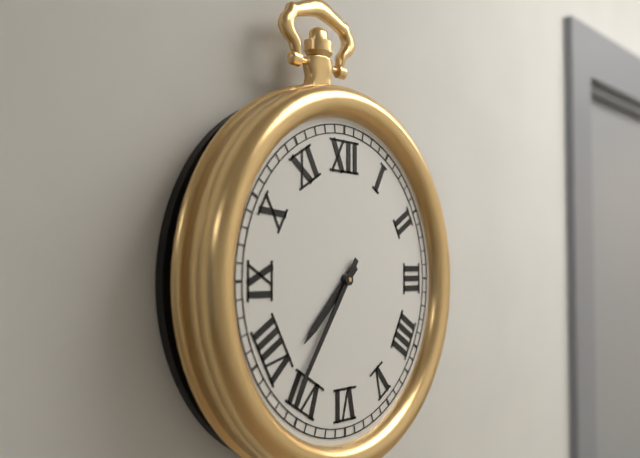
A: 7:36
